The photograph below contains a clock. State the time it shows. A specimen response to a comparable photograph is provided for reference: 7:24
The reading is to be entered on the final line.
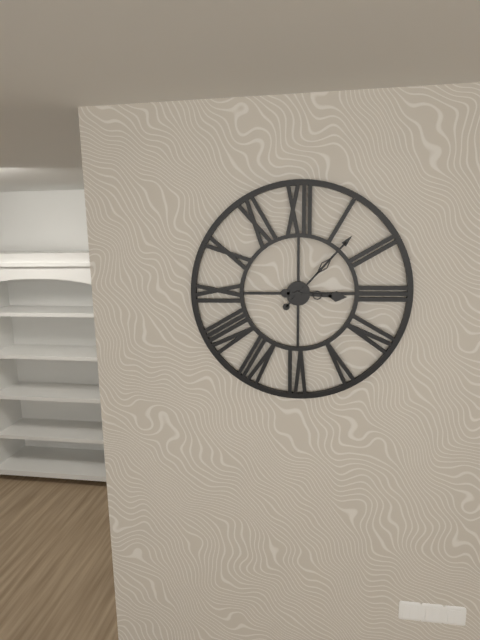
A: 3:07
